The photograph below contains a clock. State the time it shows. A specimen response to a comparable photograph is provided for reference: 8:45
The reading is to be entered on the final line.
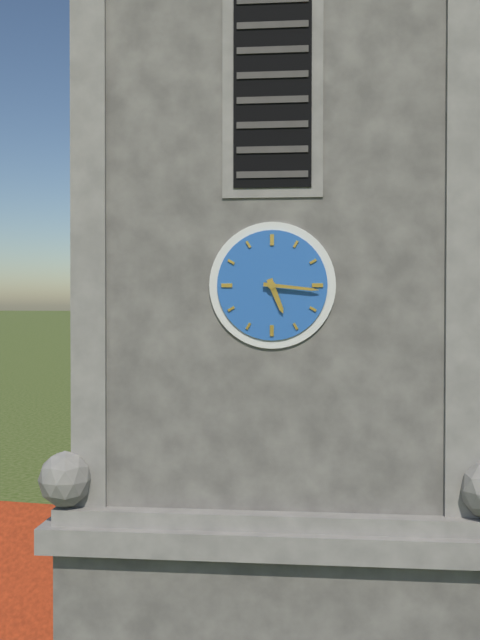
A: 5:16
